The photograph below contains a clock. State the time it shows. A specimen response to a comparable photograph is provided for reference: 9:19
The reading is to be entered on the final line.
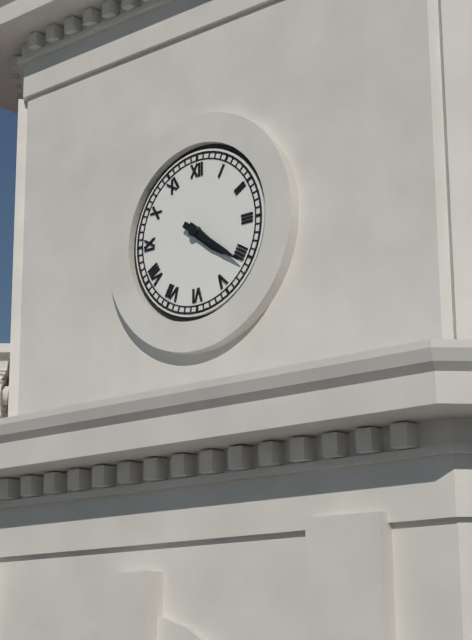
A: 4:21
